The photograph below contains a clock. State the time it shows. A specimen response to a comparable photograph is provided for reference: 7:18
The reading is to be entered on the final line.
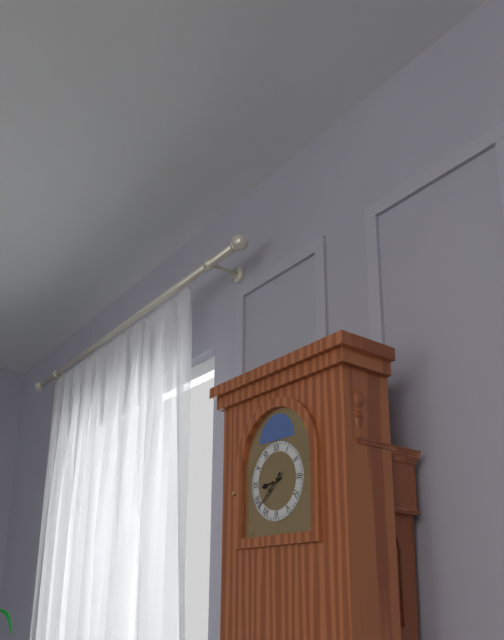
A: 8:38
